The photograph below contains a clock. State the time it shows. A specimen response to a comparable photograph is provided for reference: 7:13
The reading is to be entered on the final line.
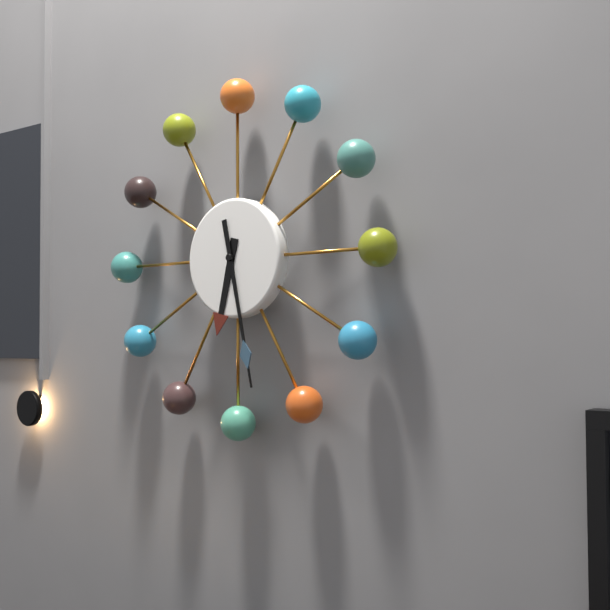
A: 6:28
